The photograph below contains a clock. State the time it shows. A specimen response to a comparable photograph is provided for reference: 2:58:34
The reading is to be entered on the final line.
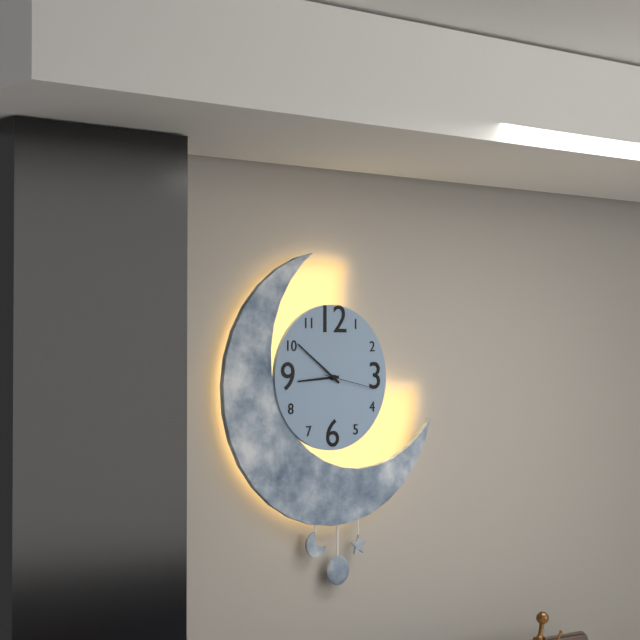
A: 8:51:17
